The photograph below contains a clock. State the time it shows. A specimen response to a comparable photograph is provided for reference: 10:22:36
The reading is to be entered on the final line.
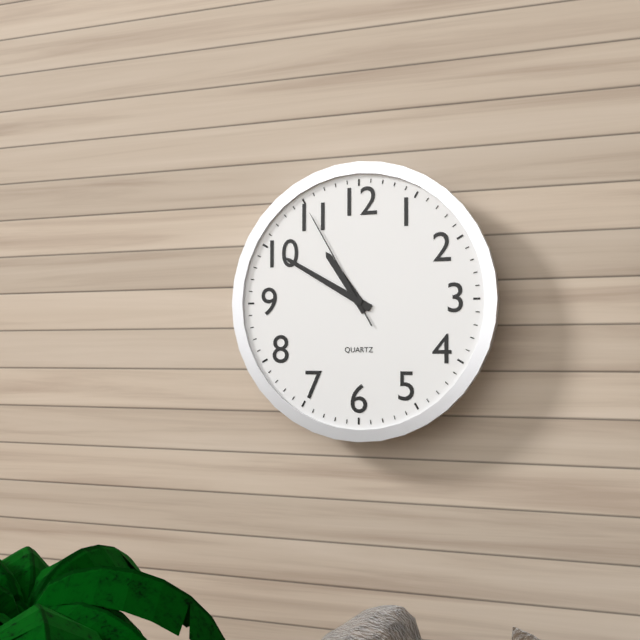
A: 10:50:55
